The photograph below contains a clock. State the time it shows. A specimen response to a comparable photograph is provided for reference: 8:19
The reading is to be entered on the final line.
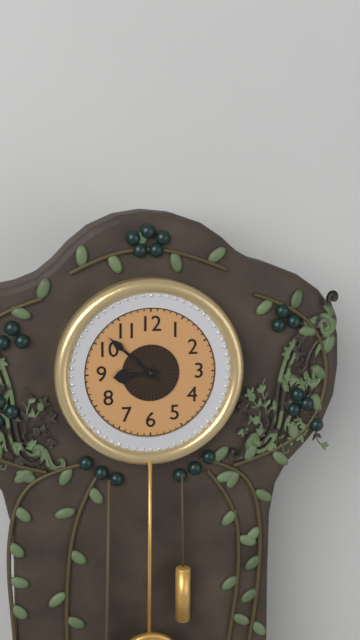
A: 8:52
